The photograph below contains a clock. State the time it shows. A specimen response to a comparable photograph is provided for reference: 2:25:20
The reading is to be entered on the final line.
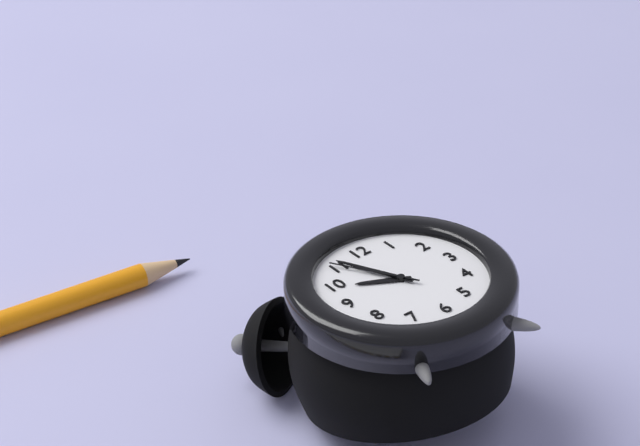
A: 9:56:55
